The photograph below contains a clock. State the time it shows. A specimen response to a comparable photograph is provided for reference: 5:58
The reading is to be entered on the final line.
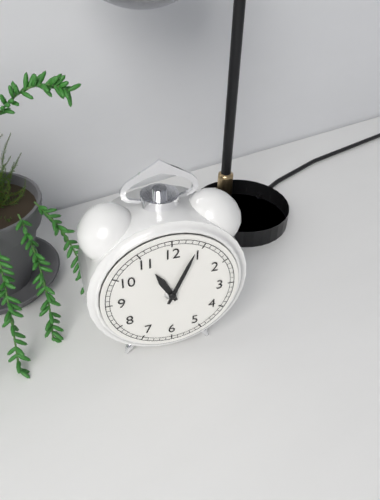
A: 11:04
